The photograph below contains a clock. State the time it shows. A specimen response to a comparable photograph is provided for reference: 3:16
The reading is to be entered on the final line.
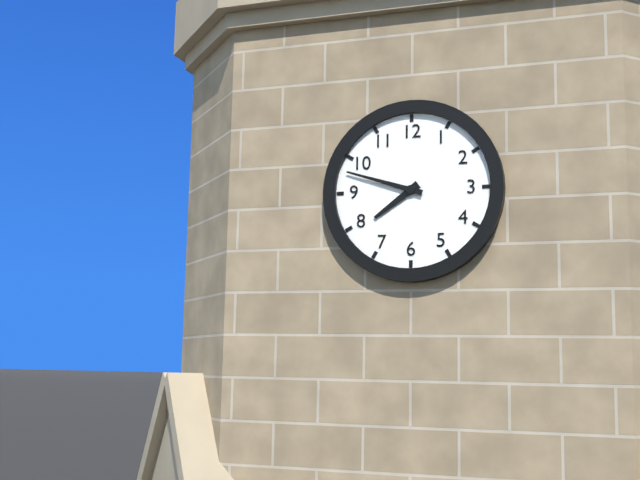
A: 7:48
